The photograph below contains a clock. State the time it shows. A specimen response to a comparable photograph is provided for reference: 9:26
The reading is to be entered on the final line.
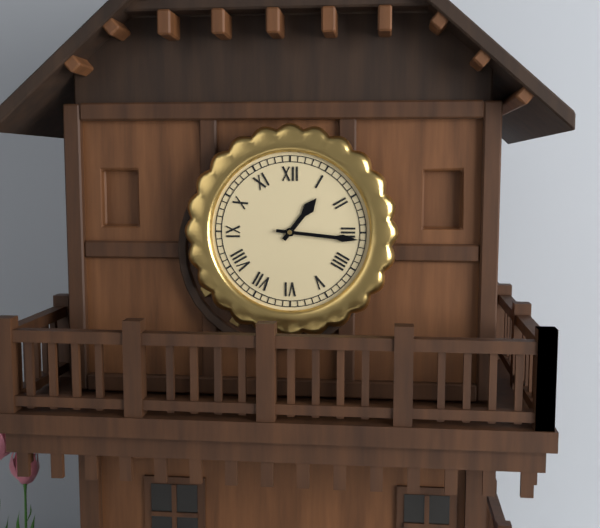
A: 1:16
